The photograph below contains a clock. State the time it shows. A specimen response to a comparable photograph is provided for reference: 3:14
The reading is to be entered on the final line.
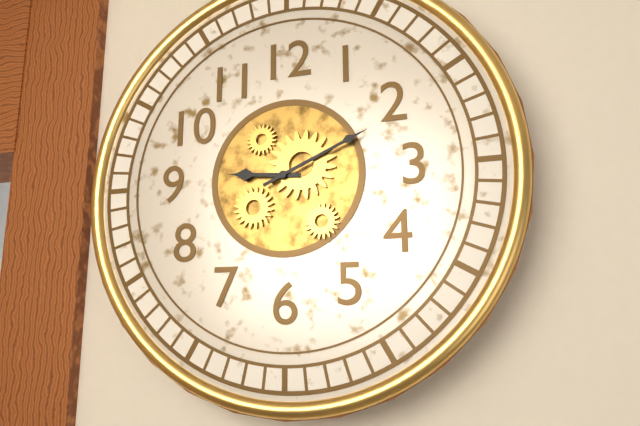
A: 9:11
